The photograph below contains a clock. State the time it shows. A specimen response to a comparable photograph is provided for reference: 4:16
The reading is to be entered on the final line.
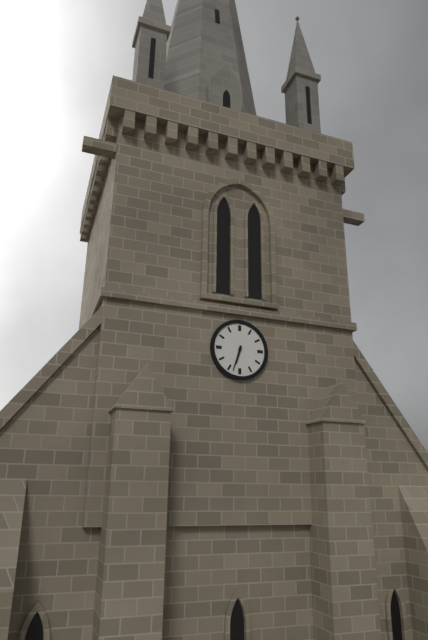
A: 6:33
